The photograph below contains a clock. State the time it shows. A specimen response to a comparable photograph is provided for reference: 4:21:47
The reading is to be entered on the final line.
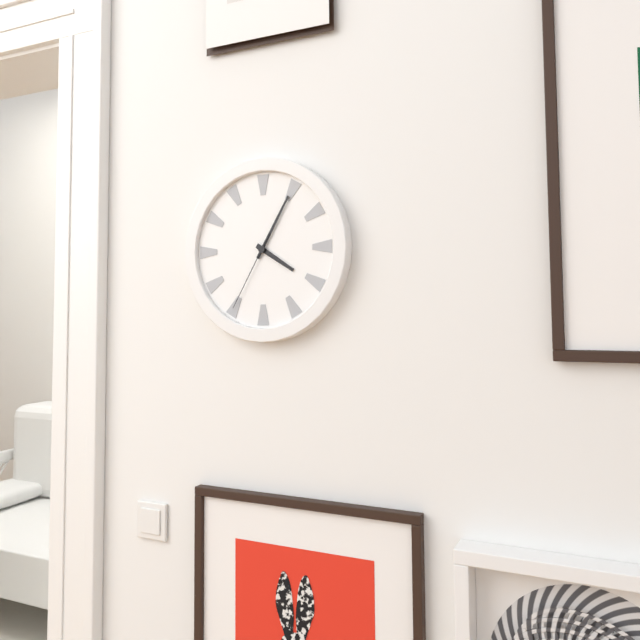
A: 4:05:35
